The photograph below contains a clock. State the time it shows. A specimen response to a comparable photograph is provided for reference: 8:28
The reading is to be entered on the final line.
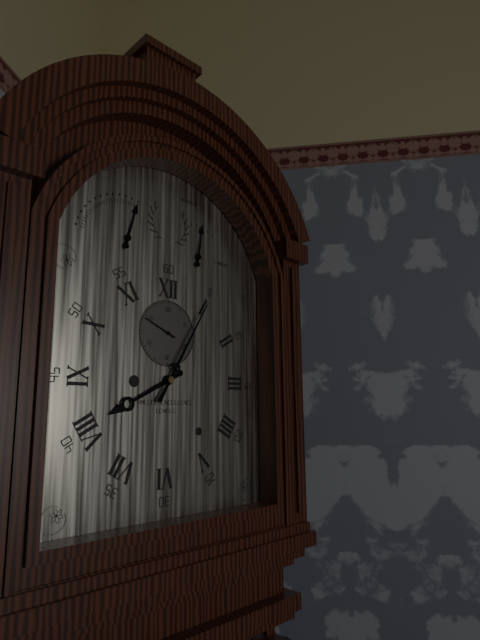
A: 8:05
